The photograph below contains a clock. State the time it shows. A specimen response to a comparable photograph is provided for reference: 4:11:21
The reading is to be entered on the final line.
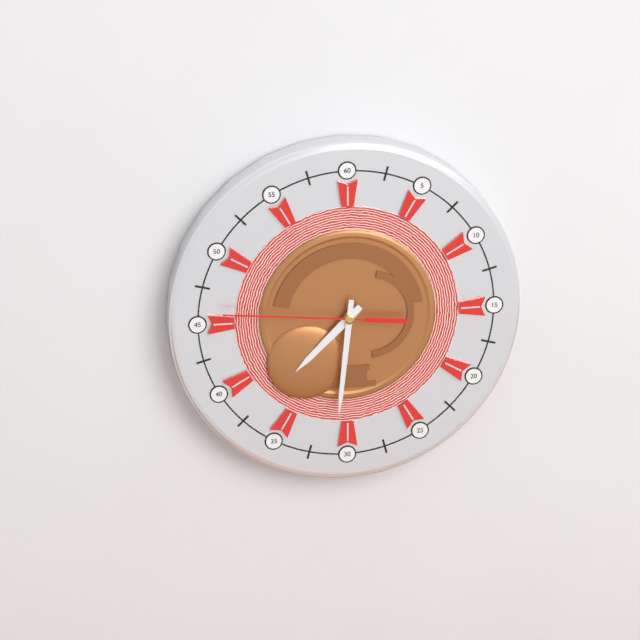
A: 7:31:46
